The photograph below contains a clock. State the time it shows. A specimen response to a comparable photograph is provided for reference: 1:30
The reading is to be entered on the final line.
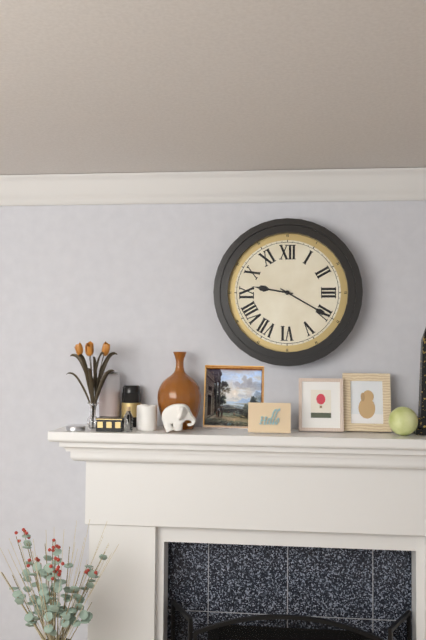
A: 9:20
